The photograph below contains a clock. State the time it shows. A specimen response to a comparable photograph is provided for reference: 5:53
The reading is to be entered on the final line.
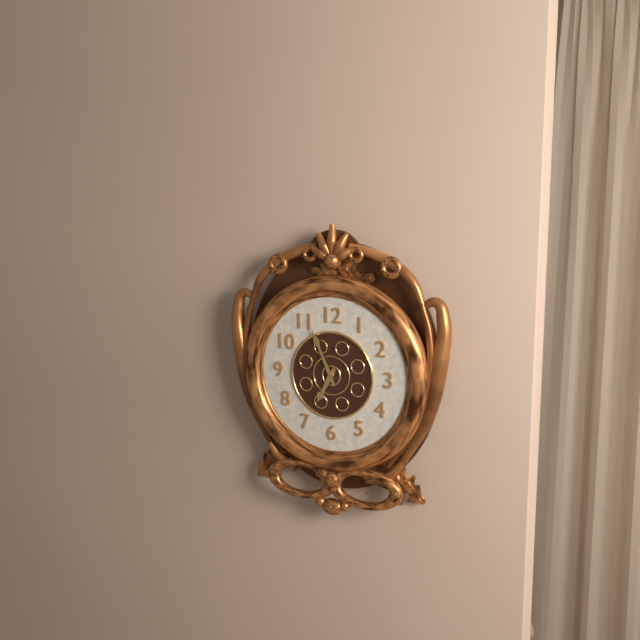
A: 6:56
